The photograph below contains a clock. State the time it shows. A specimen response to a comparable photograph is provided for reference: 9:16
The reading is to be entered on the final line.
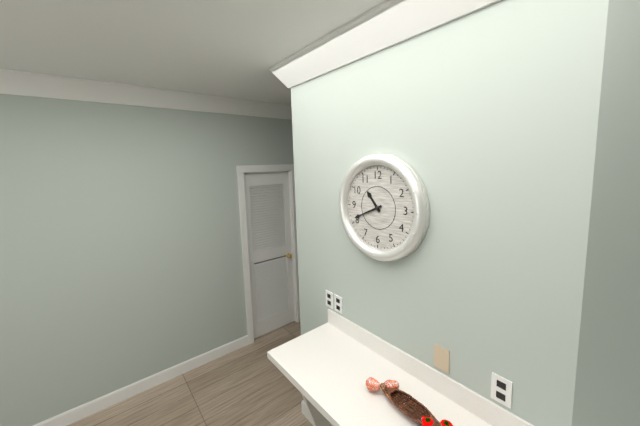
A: 10:41
